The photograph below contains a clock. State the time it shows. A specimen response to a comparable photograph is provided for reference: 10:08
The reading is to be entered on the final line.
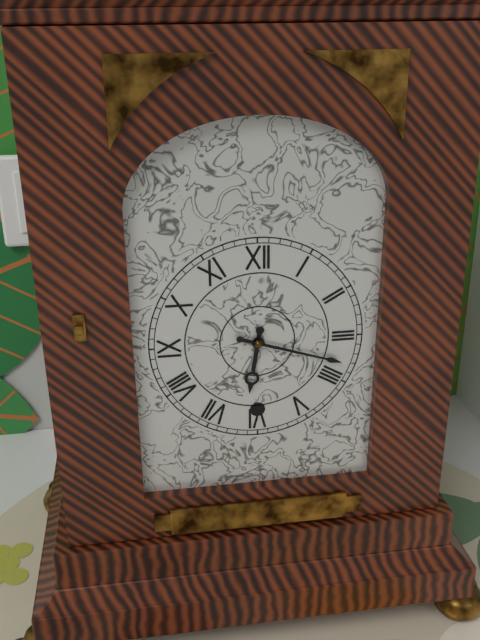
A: 6:18
